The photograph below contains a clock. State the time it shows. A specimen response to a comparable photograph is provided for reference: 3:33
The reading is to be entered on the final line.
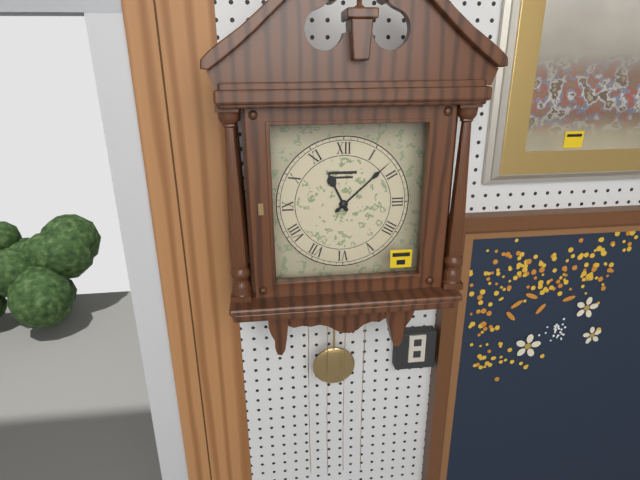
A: 11:08
